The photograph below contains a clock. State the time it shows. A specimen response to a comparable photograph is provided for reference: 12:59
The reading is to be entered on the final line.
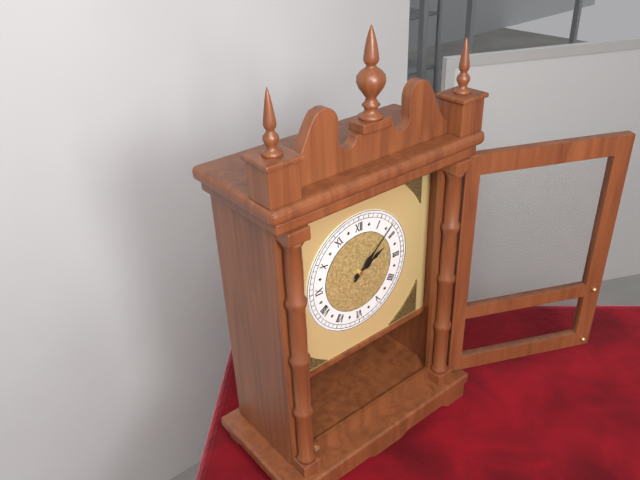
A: 2:08
